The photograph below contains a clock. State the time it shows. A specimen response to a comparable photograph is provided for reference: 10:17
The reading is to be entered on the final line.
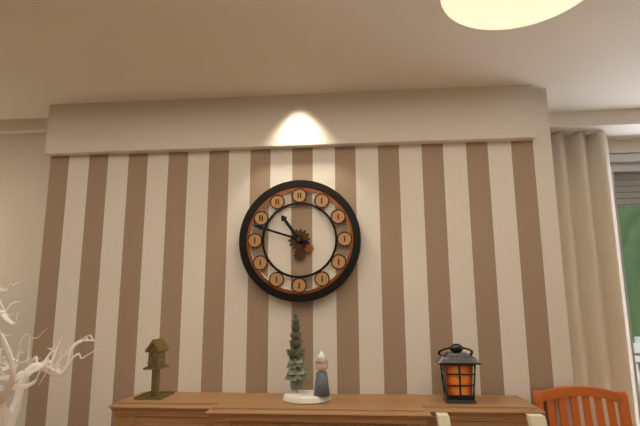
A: 10:48
